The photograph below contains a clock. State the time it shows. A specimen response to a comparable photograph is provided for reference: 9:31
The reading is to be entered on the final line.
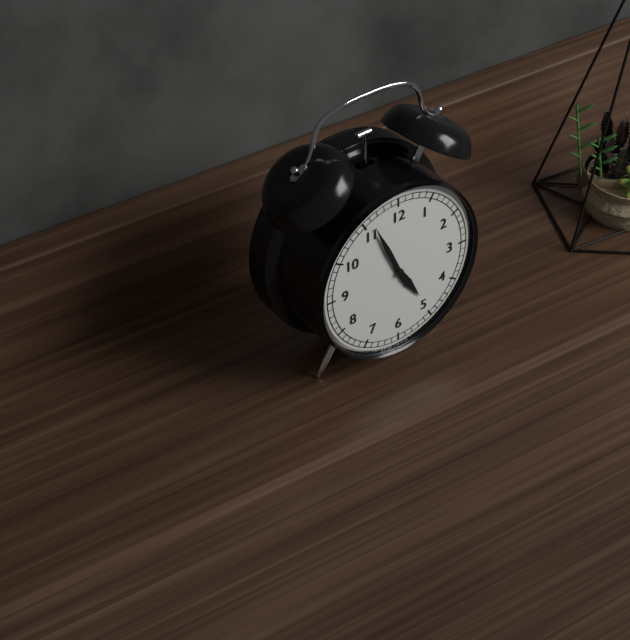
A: 4:56
